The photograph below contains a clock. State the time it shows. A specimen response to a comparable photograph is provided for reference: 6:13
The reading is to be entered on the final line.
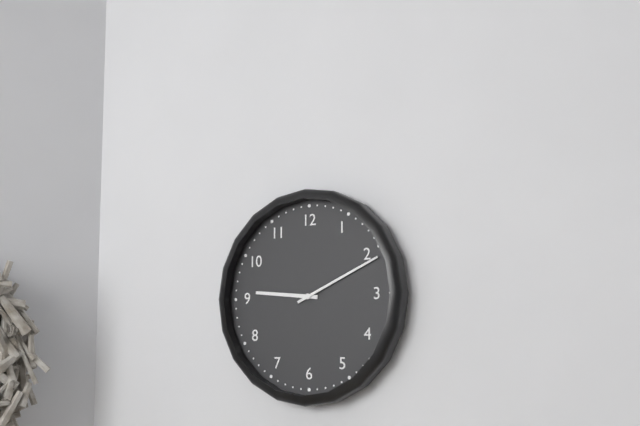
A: 9:11
